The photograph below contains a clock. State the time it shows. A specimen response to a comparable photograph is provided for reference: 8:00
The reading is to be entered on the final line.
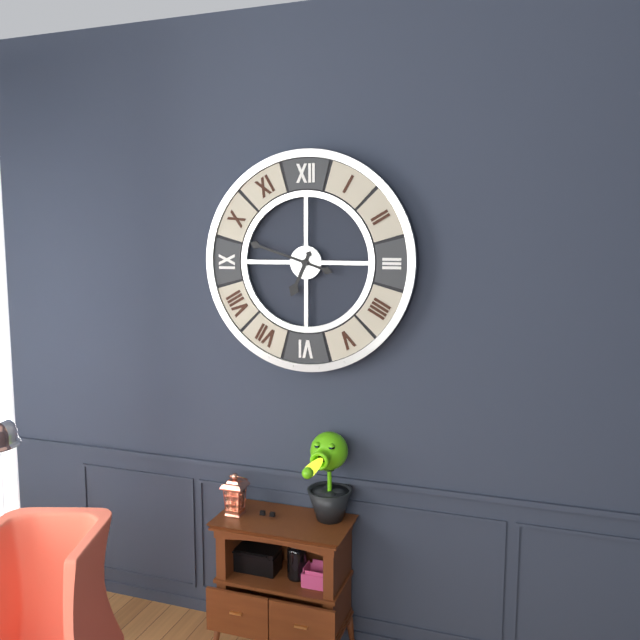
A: 6:48
